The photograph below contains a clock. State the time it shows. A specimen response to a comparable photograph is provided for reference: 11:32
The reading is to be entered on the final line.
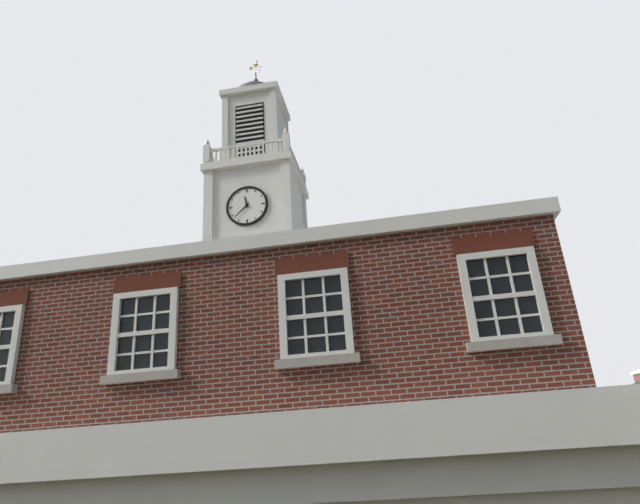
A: 11:38
